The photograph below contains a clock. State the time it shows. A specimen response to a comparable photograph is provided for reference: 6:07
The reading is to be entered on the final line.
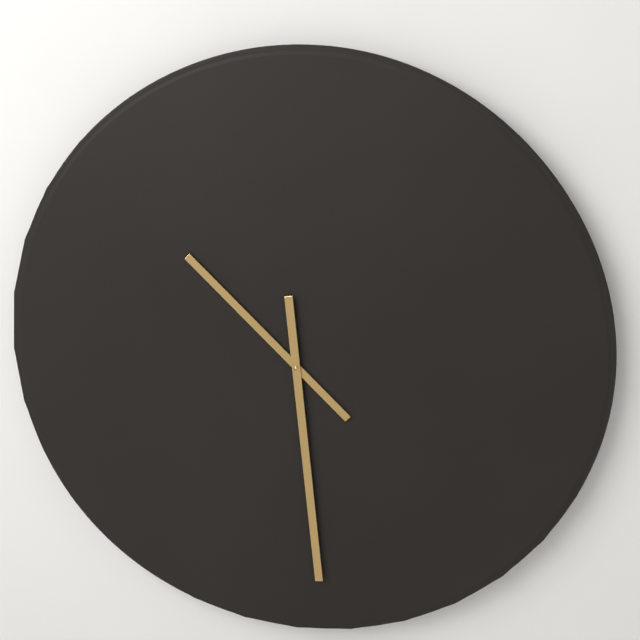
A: 10:29
